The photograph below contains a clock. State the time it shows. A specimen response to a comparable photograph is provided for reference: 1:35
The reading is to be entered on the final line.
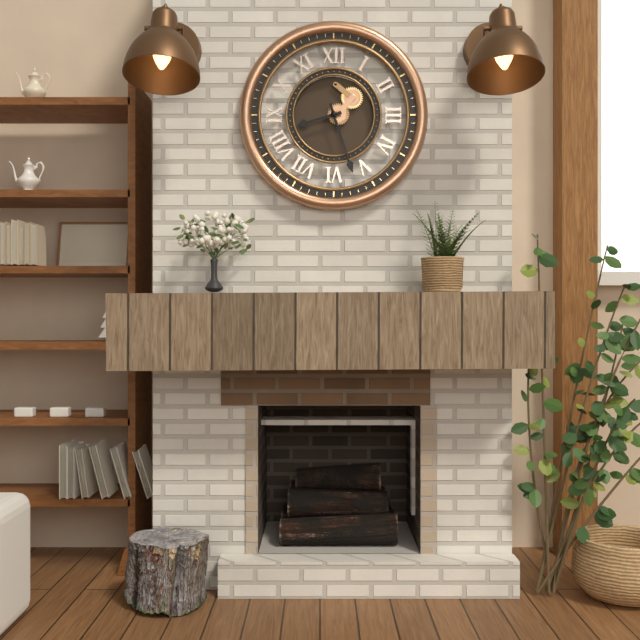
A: 8:27
